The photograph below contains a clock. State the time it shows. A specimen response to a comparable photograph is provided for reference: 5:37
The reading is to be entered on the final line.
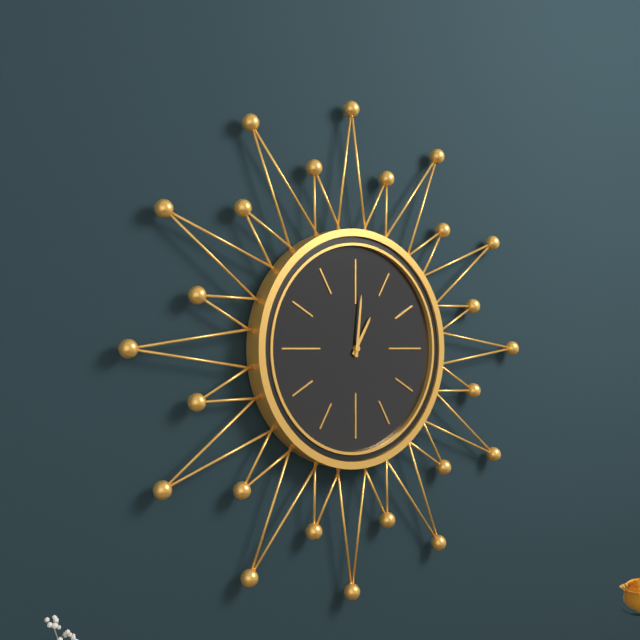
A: 1:01
